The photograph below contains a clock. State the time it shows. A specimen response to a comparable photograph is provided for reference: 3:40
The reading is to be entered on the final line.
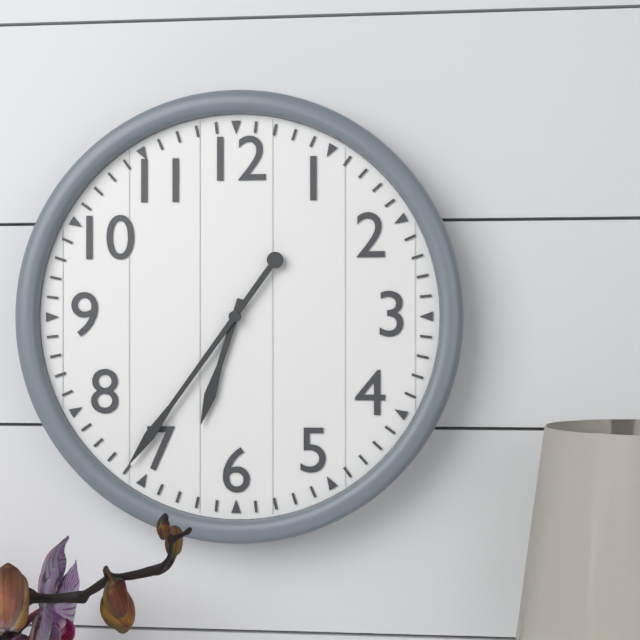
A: 6:36
